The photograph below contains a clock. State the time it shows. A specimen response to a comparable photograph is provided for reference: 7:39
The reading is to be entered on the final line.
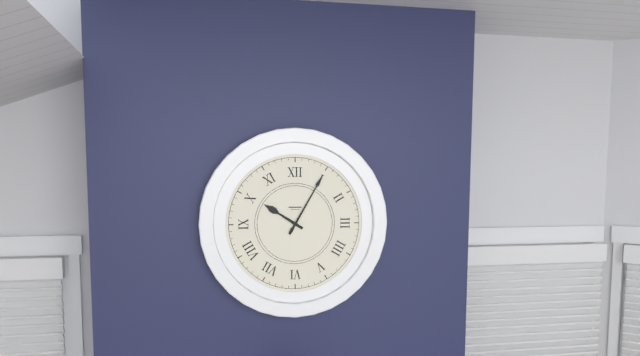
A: 10:05
